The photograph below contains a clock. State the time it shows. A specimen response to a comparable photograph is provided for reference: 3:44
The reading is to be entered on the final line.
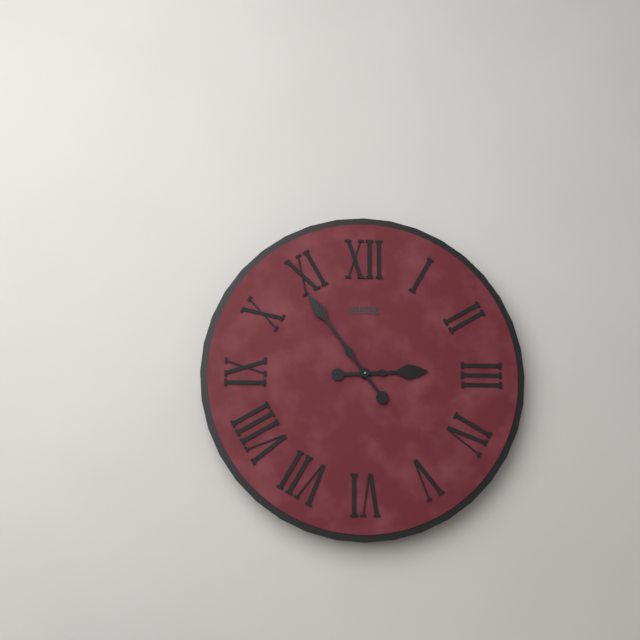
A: 2:54
